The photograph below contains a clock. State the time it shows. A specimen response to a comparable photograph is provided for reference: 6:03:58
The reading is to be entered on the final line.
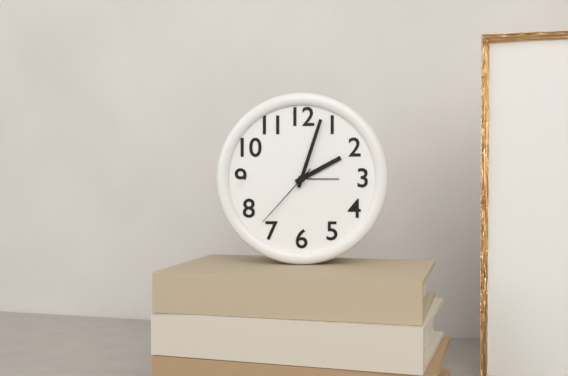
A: 2:03:37
